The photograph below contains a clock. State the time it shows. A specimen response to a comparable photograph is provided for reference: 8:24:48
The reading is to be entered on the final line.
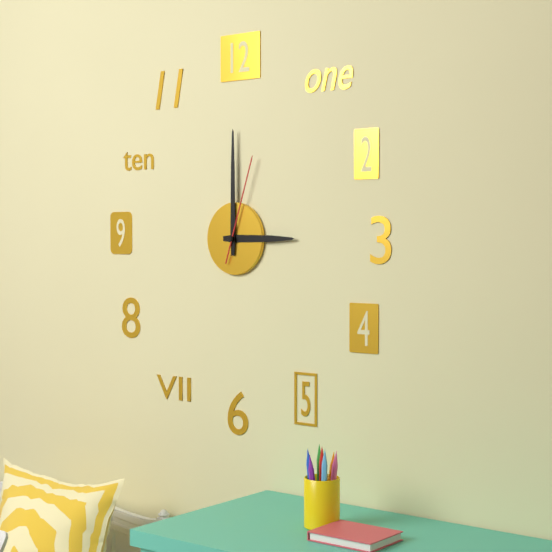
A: 3:00:03
